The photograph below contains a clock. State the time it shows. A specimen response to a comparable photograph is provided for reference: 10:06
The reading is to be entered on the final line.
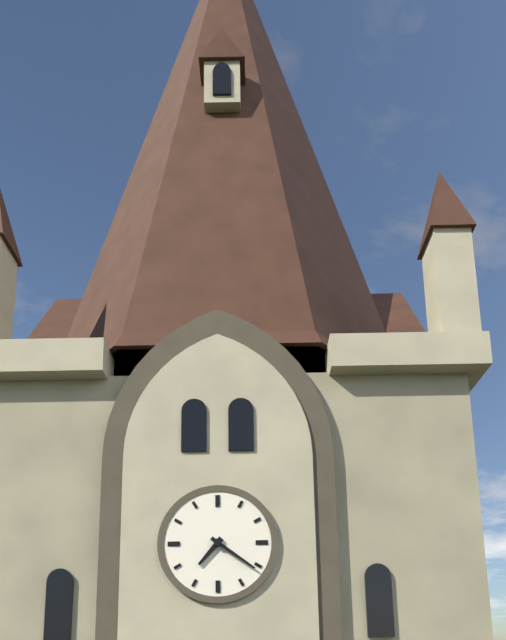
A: 7:21
